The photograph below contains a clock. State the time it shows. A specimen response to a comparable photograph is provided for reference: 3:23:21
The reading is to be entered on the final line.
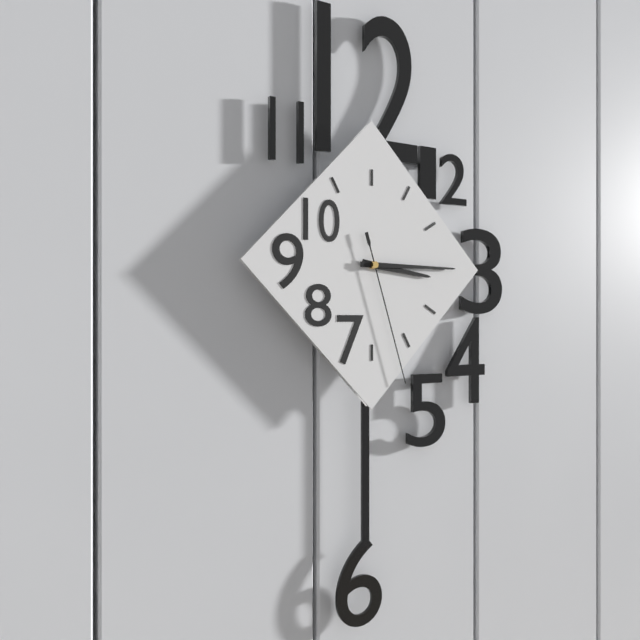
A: 3:15:27
